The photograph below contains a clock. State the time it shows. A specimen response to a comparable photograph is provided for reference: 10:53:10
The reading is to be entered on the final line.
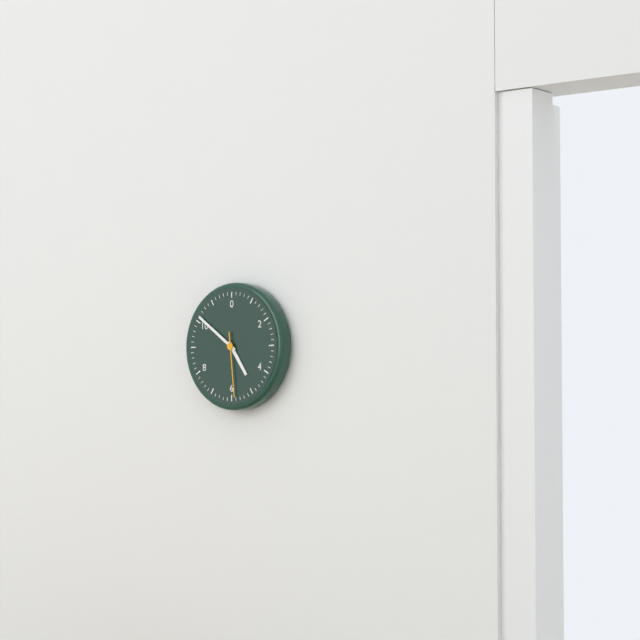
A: 4:51:29
